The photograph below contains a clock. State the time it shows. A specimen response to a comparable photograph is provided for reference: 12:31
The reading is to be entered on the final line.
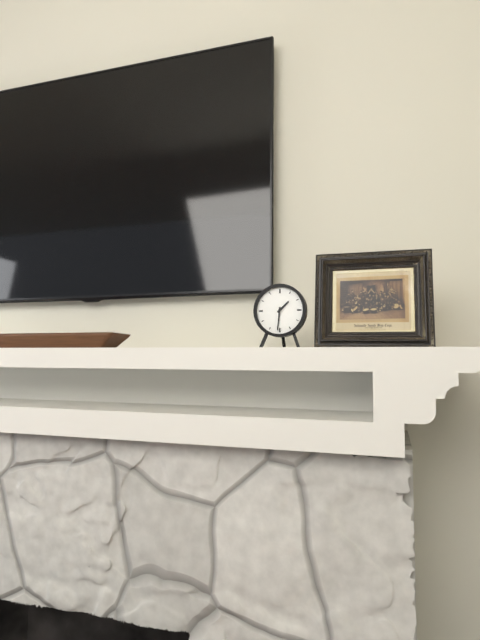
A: 1:31
